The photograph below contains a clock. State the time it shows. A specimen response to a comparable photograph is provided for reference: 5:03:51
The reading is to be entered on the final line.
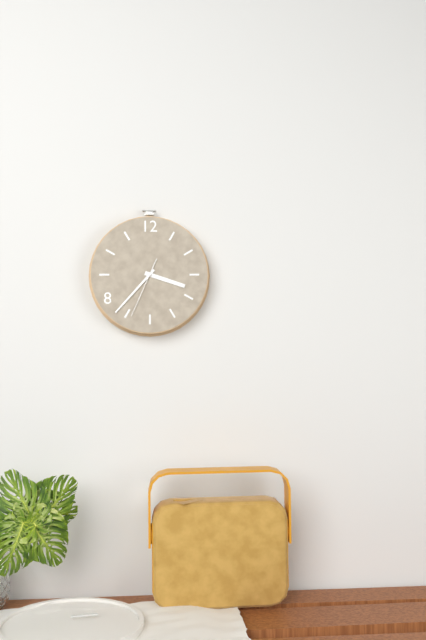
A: 3:37:34
